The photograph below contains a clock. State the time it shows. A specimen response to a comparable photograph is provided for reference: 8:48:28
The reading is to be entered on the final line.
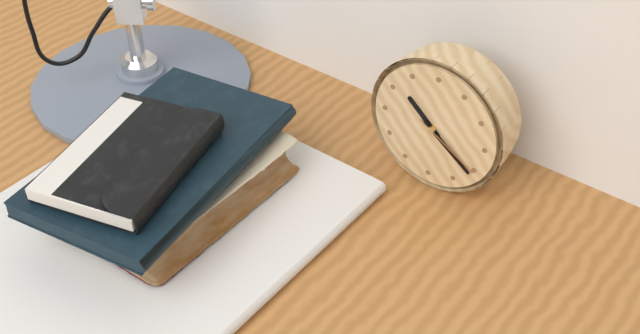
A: 10:21:20
